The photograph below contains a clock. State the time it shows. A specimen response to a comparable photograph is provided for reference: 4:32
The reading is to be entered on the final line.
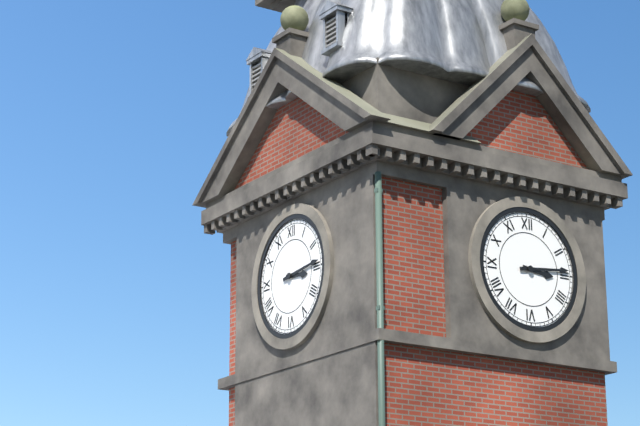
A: 3:14
